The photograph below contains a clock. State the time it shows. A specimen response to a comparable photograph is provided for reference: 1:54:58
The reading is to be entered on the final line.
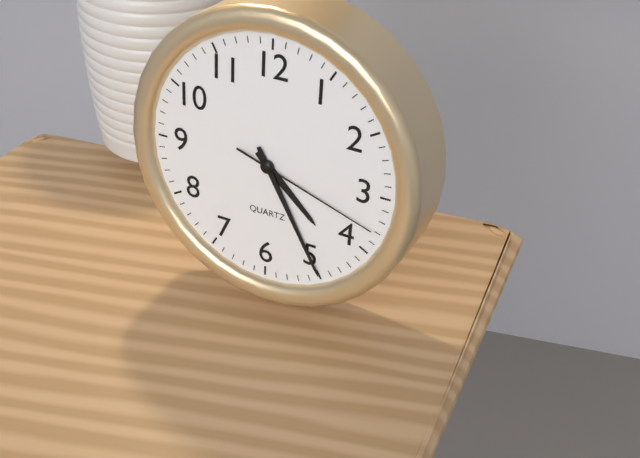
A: 4:25:18
